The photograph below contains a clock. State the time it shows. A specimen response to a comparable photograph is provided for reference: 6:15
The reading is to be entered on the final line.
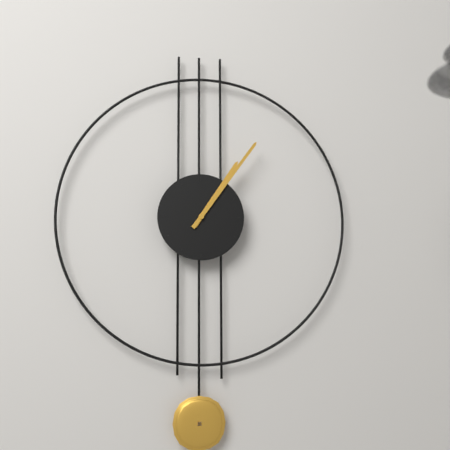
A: 1:06
